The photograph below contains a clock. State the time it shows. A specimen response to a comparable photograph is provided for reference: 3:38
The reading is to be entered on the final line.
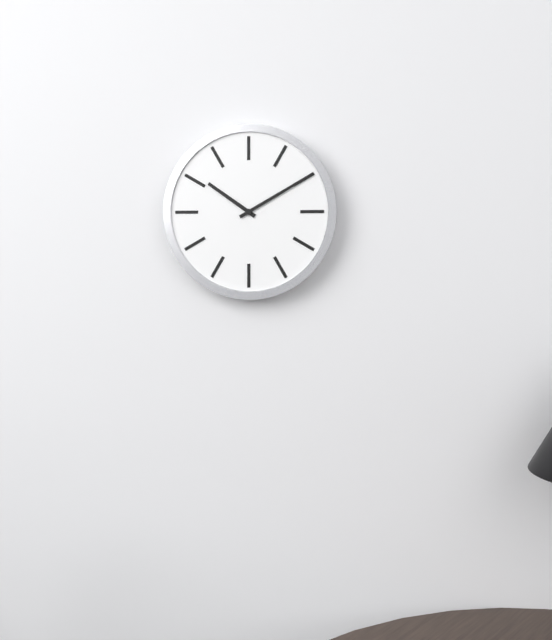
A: 10:10
